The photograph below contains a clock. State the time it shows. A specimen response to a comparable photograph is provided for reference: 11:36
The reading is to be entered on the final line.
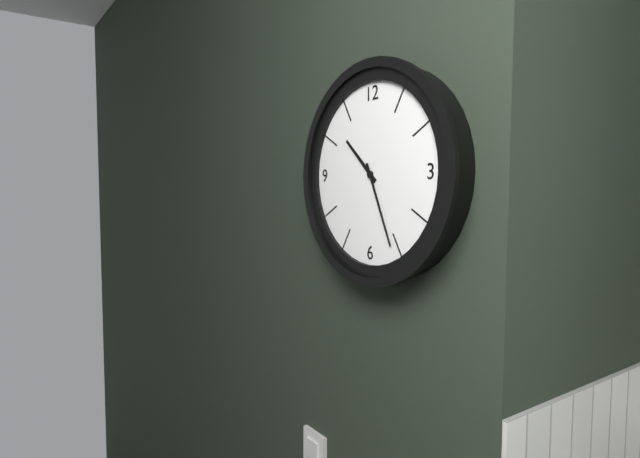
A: 10:26
